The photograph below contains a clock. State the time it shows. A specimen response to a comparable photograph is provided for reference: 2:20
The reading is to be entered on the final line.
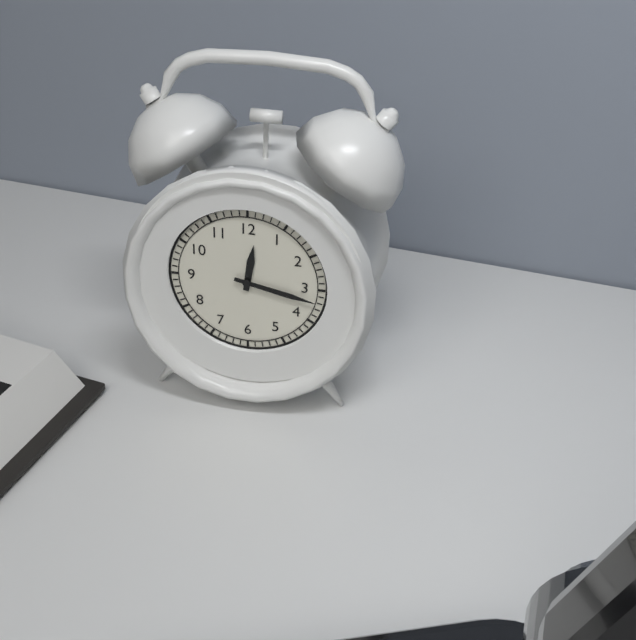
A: 12:17
